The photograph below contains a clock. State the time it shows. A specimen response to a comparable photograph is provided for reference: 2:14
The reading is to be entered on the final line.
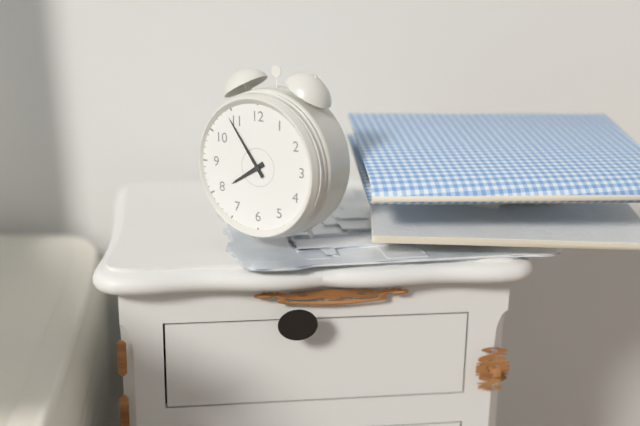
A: 7:54
